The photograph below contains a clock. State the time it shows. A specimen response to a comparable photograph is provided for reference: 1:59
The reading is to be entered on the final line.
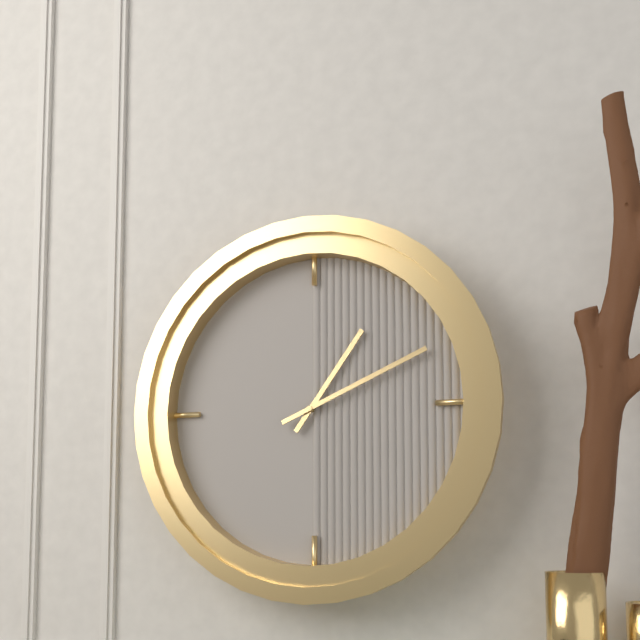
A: 1:11
